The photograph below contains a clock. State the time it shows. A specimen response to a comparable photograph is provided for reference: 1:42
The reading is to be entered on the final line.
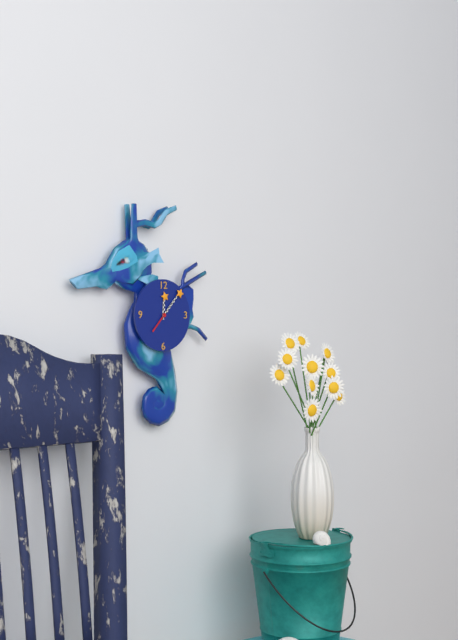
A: 12:07
